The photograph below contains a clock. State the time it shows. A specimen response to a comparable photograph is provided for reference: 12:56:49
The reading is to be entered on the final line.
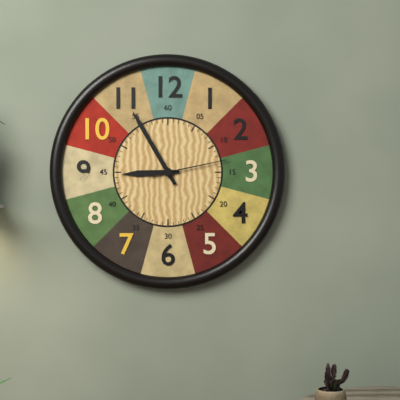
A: 8:55:13
